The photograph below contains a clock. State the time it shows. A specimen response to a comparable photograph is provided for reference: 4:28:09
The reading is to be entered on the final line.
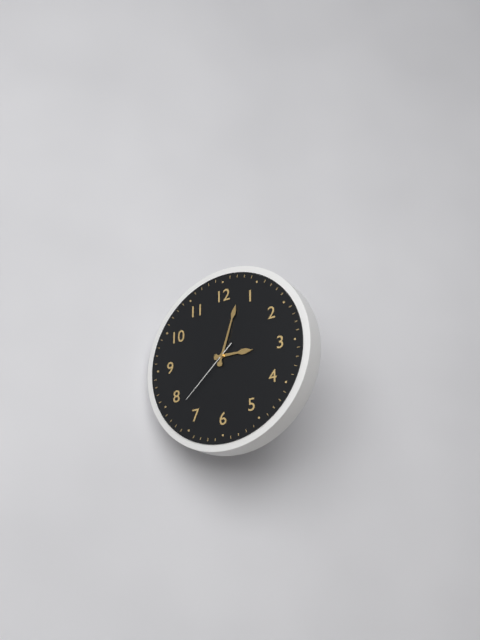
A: 3:03:38
